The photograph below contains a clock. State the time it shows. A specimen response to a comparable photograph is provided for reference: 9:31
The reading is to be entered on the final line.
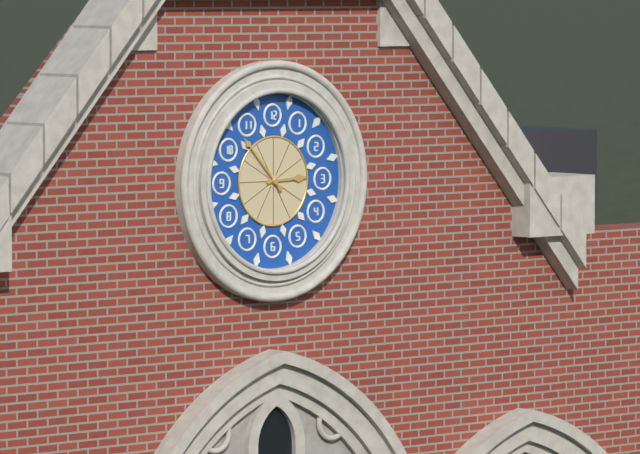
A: 2:53
